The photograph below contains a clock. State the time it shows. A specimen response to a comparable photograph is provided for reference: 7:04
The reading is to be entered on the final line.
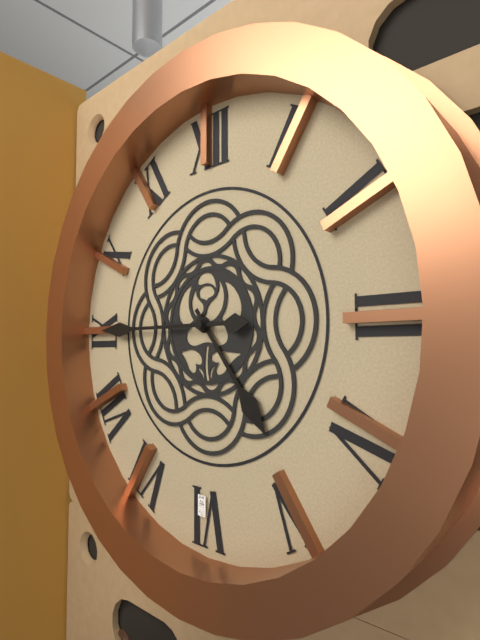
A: 4:45
